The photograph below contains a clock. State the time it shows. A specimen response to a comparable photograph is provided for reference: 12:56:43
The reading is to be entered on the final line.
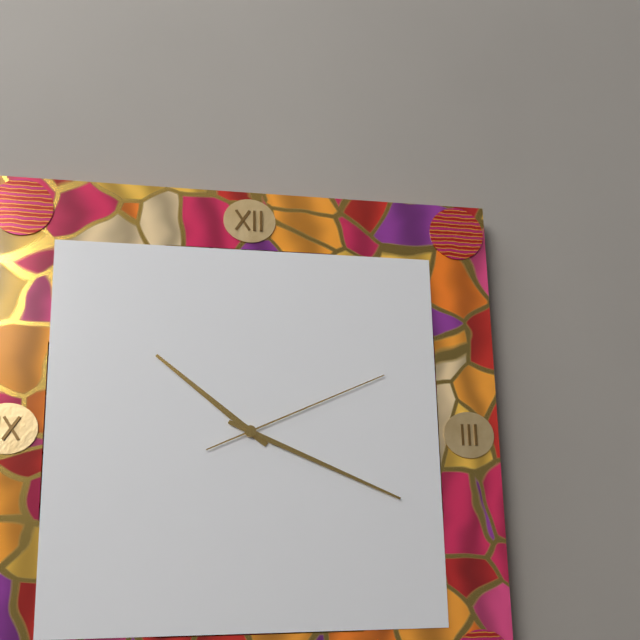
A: 10:19:11
